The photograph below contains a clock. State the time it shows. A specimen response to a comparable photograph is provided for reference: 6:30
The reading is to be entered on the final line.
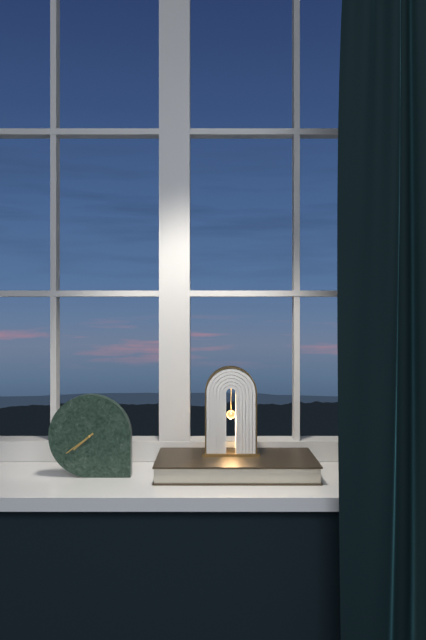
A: 7:39
